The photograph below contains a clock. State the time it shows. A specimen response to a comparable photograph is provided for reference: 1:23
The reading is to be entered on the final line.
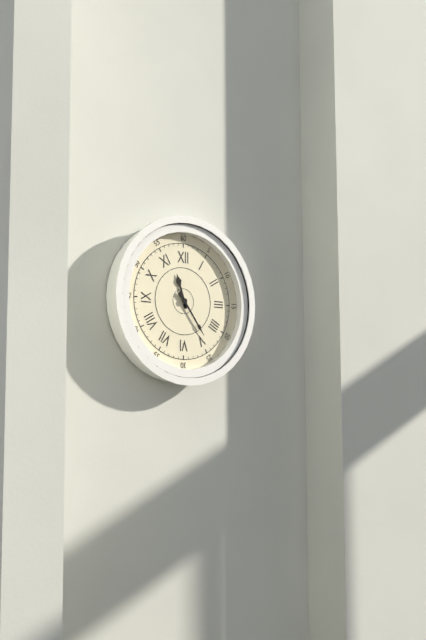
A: 11:24
